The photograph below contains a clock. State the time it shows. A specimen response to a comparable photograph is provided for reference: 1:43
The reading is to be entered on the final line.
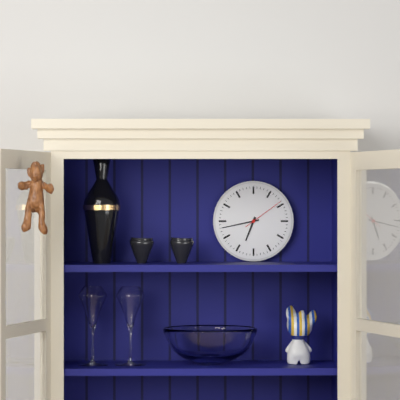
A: 6:43
